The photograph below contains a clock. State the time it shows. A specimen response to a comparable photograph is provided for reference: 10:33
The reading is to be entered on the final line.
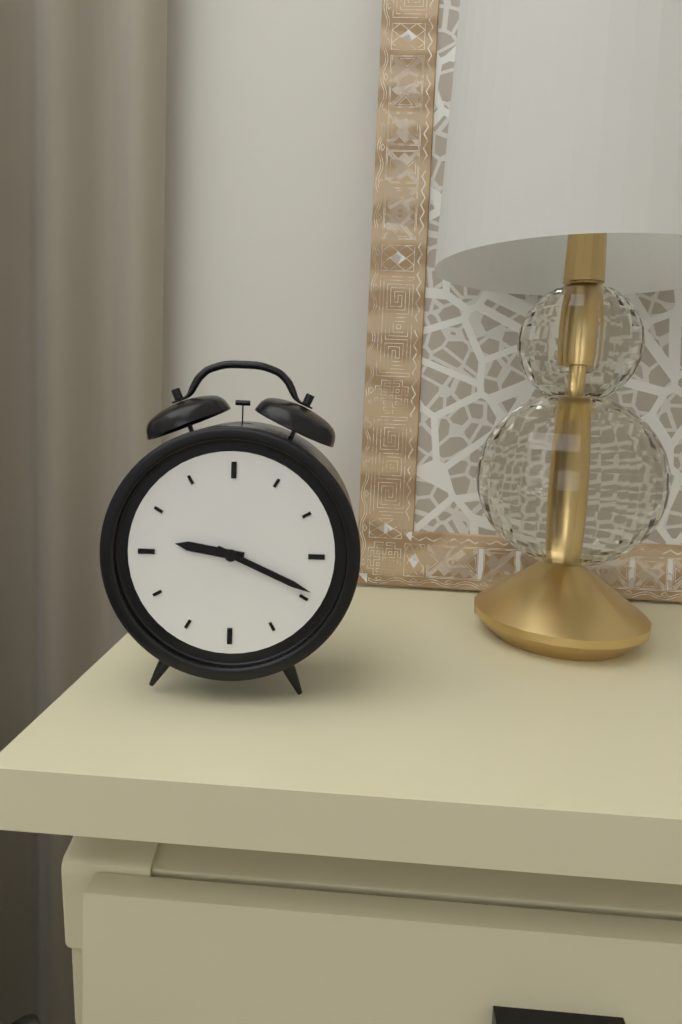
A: 9:19
